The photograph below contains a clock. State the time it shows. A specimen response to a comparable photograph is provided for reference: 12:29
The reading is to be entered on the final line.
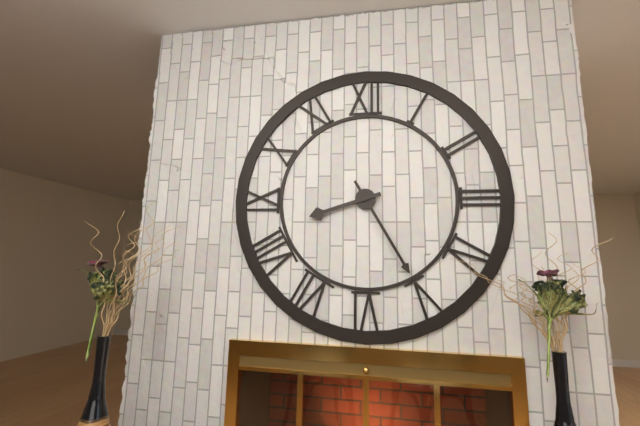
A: 8:25
